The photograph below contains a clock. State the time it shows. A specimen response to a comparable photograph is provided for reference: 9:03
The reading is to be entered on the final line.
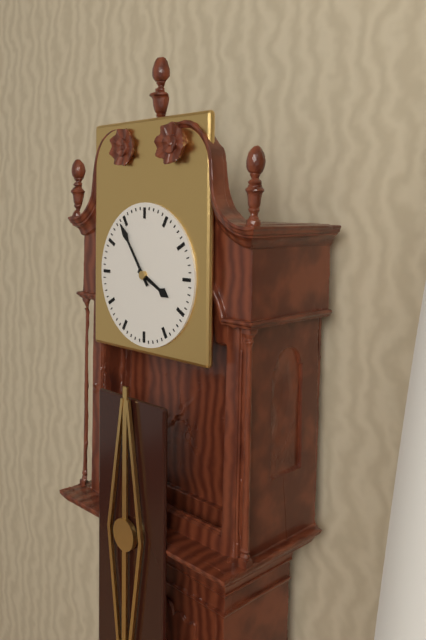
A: 3:54
